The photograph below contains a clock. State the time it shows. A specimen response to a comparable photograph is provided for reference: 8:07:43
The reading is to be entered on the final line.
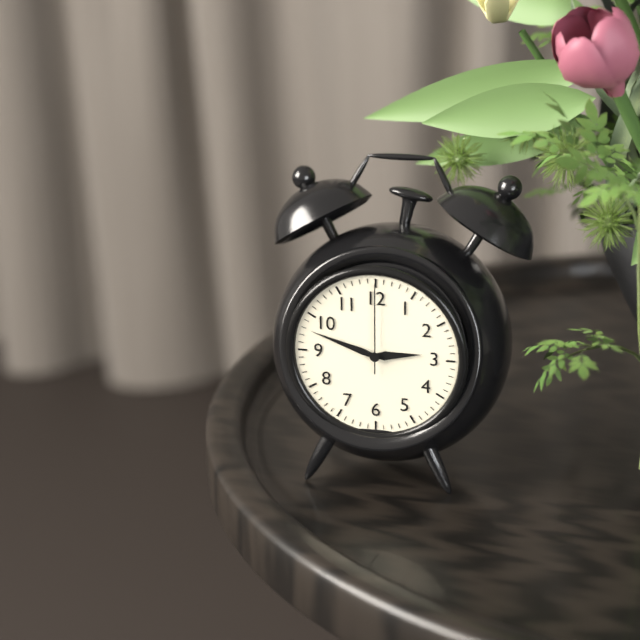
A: 2:48:00
